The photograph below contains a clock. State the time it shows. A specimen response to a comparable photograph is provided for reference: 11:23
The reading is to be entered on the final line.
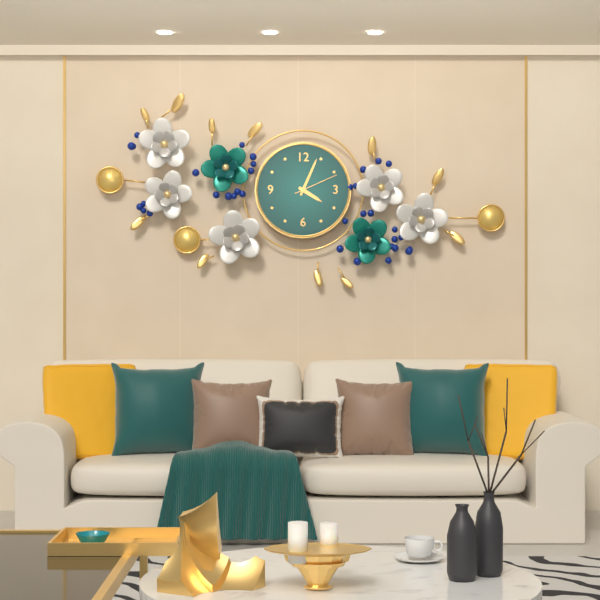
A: 4:04
